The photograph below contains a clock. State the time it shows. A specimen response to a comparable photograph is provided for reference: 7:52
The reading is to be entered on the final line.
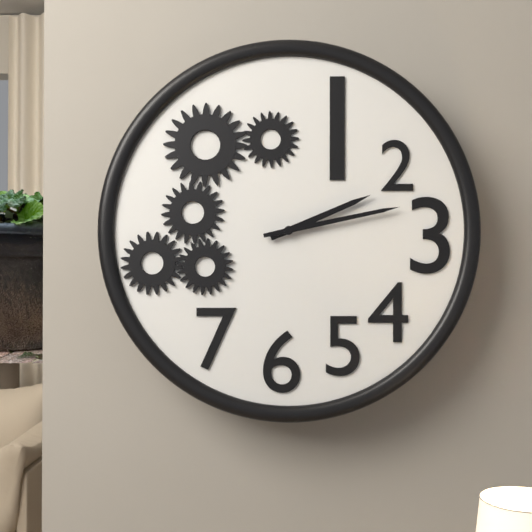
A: 2:13
